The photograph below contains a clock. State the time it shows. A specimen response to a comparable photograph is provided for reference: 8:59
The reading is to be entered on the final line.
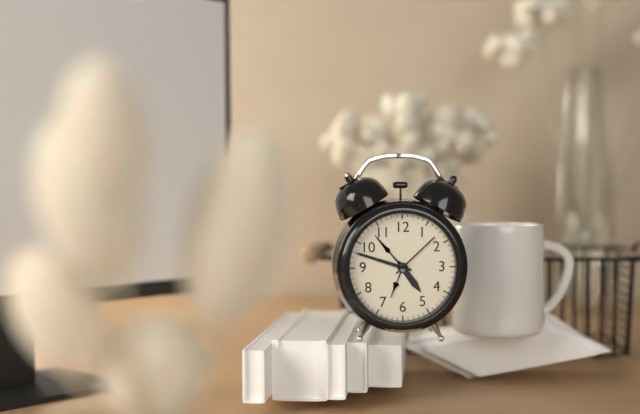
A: 4:48
